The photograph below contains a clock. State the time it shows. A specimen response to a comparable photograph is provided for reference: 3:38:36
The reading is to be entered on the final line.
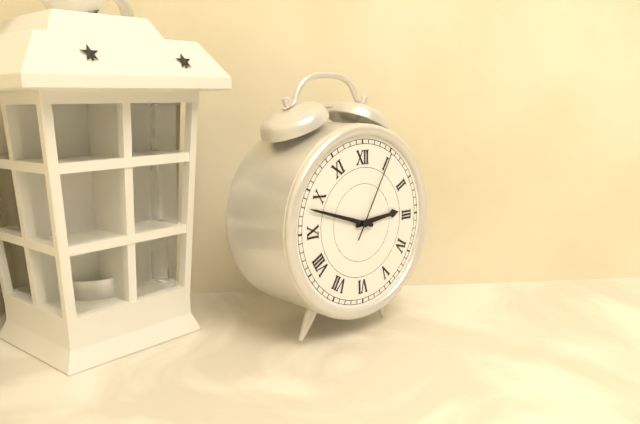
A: 2:48:05
